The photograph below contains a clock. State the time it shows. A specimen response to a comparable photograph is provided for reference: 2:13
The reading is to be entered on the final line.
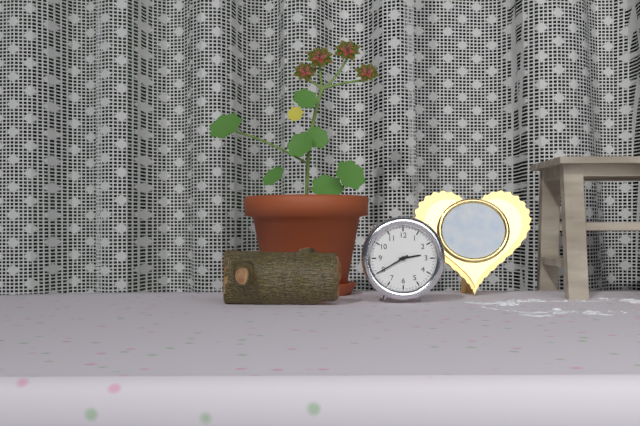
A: 2:40
